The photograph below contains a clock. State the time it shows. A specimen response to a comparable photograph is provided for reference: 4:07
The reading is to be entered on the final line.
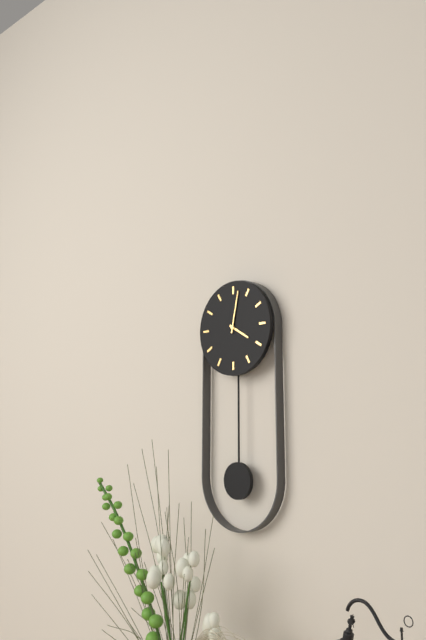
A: 4:02
